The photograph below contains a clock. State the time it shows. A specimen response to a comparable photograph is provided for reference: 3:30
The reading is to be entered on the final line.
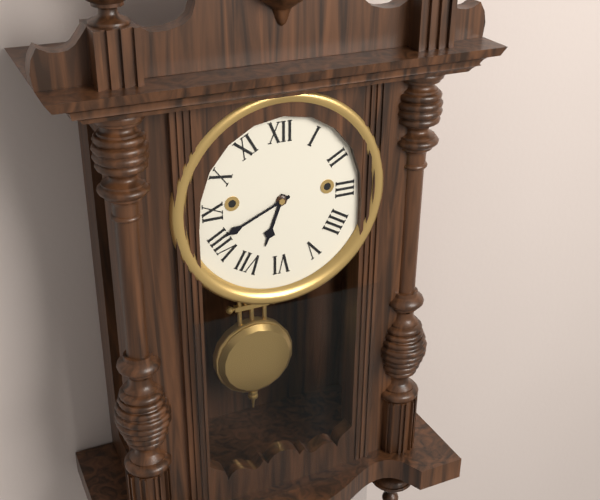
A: 6:41
